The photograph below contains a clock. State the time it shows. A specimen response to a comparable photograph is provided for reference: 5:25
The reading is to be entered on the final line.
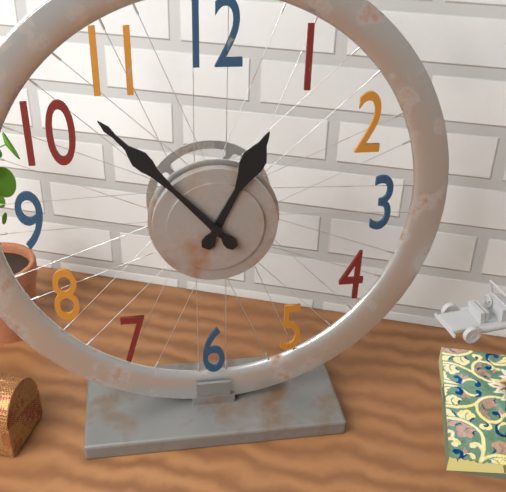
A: 12:53
